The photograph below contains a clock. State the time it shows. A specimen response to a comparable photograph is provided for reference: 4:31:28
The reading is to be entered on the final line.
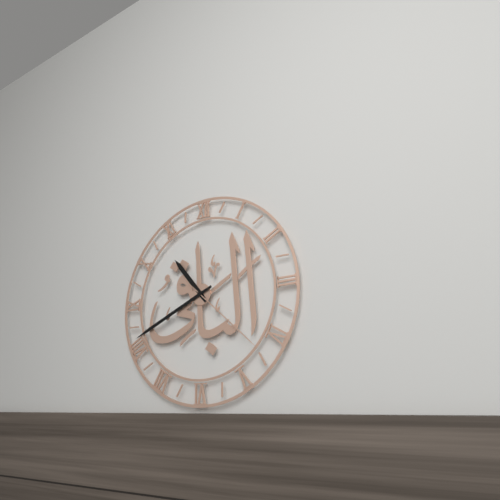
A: 10:41:22
